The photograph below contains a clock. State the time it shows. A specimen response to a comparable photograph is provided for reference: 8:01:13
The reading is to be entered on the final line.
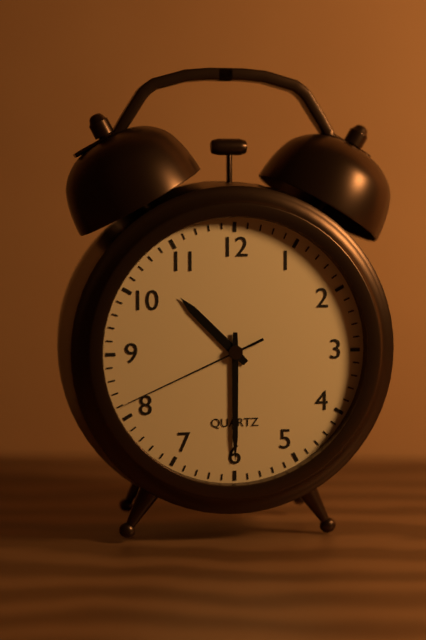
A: 10:30:41
